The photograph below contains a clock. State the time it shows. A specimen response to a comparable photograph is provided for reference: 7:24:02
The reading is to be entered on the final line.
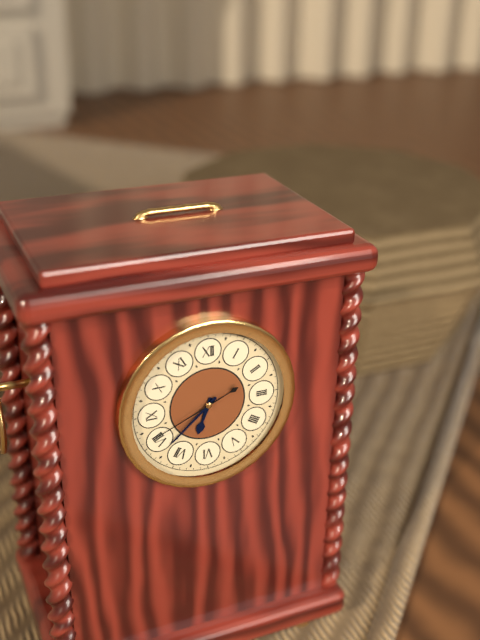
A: 6:38:41
